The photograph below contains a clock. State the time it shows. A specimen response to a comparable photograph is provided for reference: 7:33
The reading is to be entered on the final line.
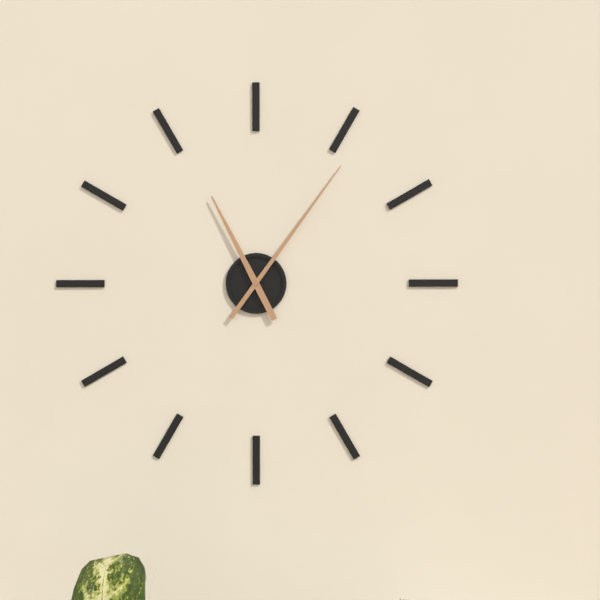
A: 11:06
